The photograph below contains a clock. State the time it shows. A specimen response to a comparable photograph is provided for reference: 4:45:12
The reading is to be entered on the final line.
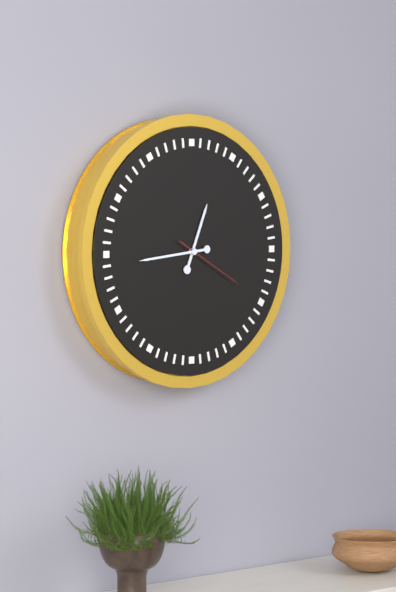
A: 12:44:20
